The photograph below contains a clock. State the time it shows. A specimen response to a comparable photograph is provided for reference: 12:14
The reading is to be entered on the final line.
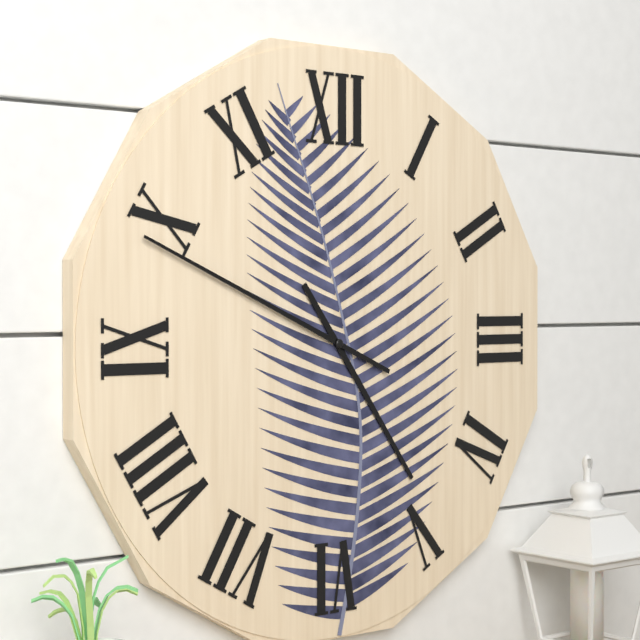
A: 4:49
